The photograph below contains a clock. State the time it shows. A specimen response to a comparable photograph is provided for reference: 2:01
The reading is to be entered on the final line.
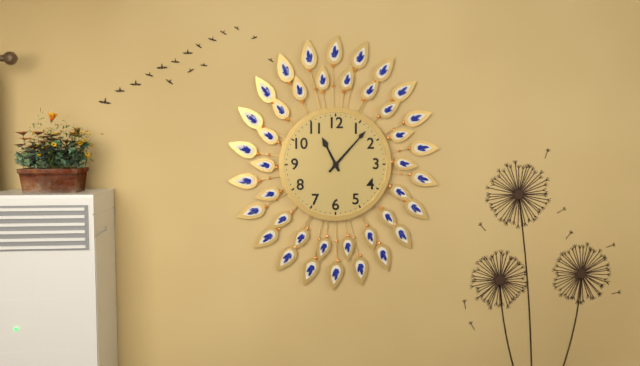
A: 11:07
